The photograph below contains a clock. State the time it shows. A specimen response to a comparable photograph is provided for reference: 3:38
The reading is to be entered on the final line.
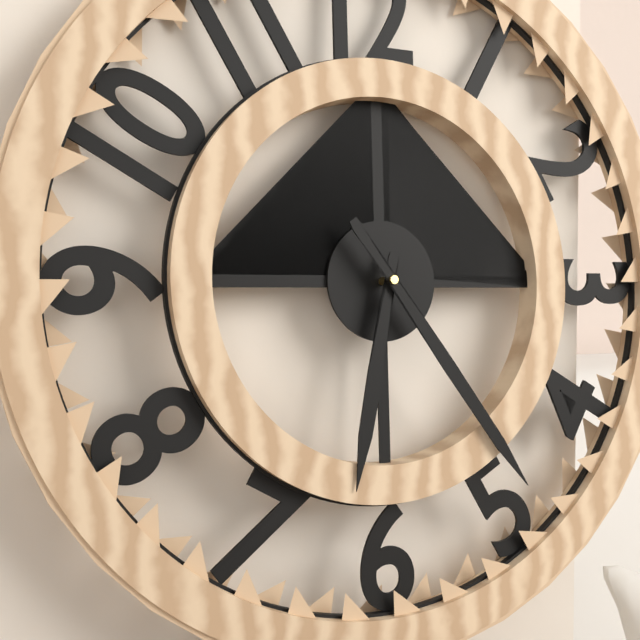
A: 6:24
